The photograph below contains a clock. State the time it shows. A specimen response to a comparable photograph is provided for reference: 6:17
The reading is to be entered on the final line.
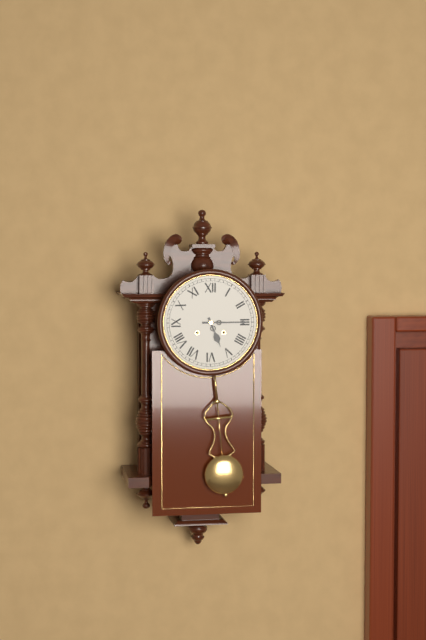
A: 5:15
